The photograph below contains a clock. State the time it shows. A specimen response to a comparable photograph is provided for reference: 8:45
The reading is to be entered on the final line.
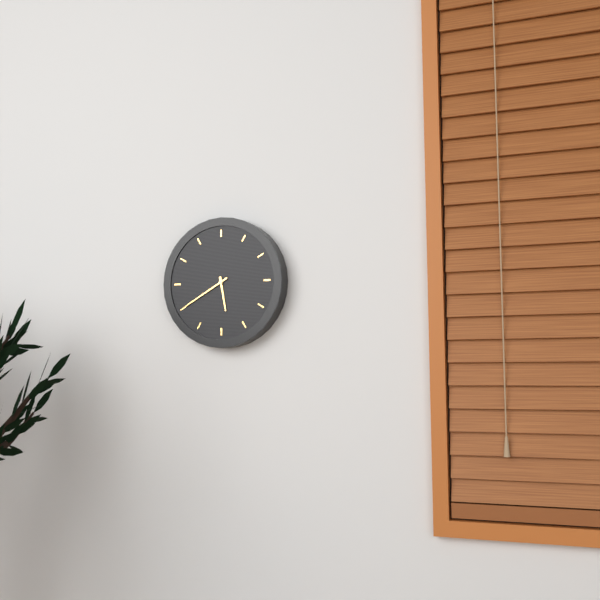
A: 5:40
